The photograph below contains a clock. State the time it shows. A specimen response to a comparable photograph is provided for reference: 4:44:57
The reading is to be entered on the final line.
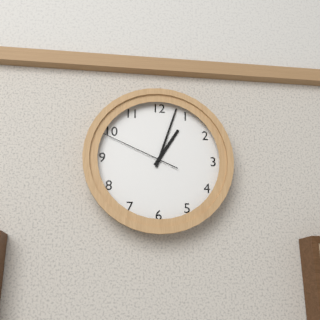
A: 1:03:49
